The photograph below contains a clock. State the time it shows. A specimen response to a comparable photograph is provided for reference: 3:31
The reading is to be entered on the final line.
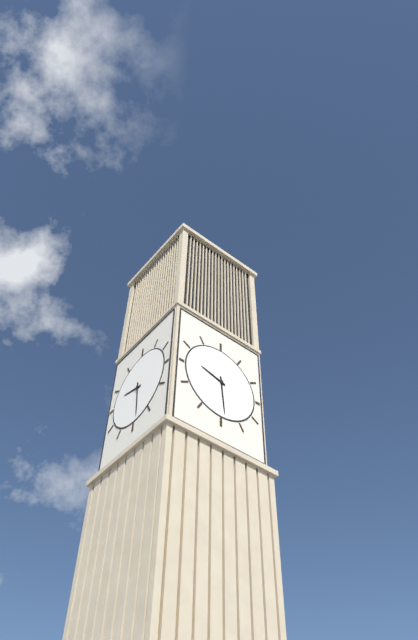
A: 9:29
